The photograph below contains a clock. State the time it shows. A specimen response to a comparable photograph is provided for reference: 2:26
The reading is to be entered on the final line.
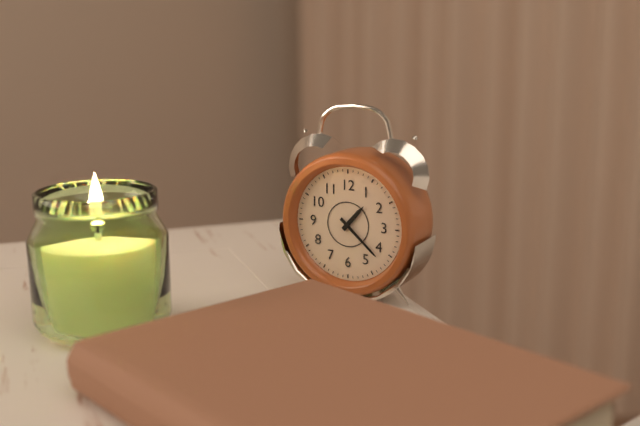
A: 1:22
